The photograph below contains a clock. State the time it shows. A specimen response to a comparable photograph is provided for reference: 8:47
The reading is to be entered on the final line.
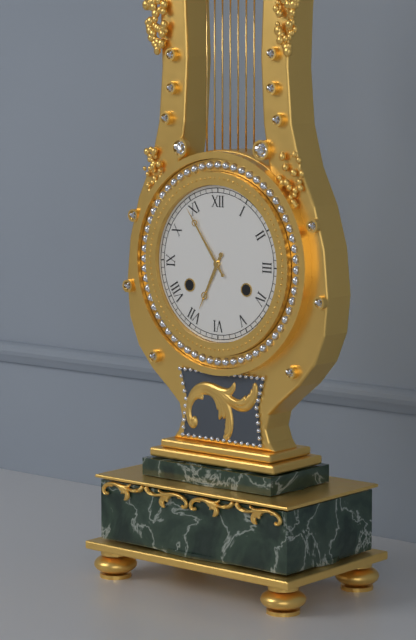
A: 6:54
